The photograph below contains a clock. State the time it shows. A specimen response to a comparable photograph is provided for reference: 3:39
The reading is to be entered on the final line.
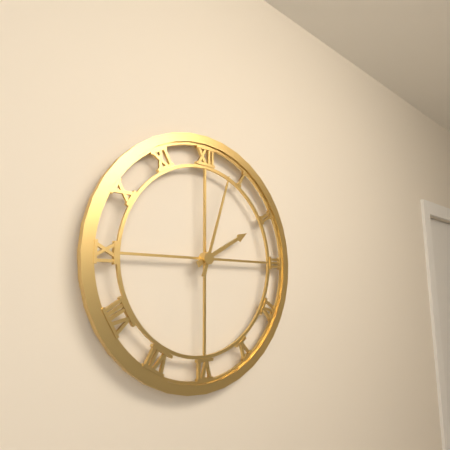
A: 2:03
